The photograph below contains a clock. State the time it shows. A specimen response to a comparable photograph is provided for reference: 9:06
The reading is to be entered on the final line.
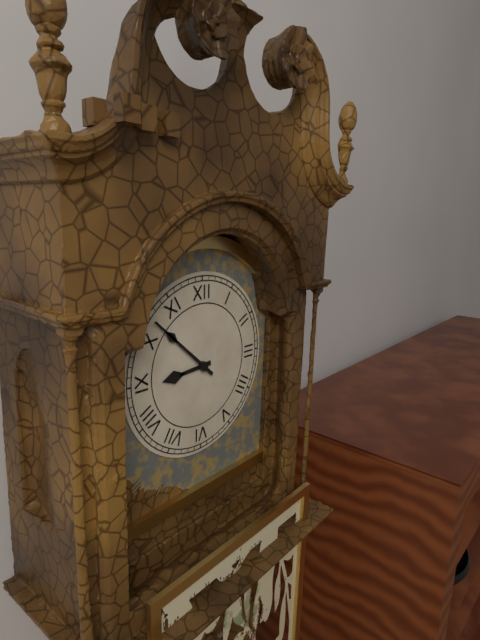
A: 8:52
